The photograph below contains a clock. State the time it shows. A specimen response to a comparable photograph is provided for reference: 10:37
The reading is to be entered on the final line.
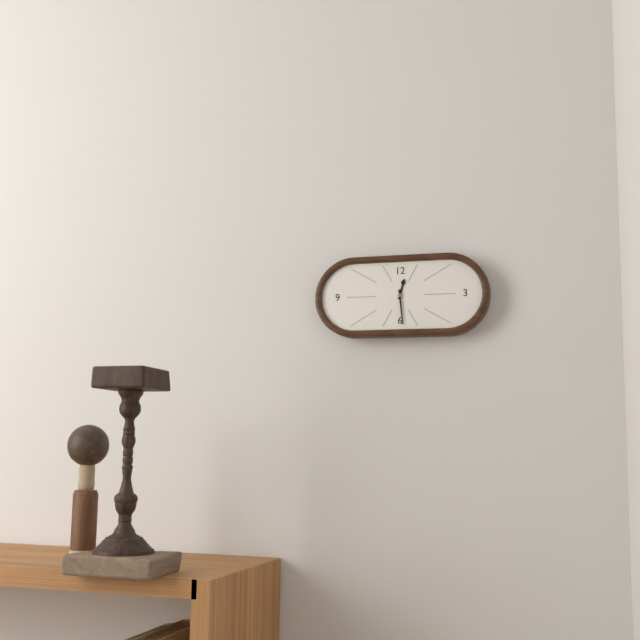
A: 12:29
